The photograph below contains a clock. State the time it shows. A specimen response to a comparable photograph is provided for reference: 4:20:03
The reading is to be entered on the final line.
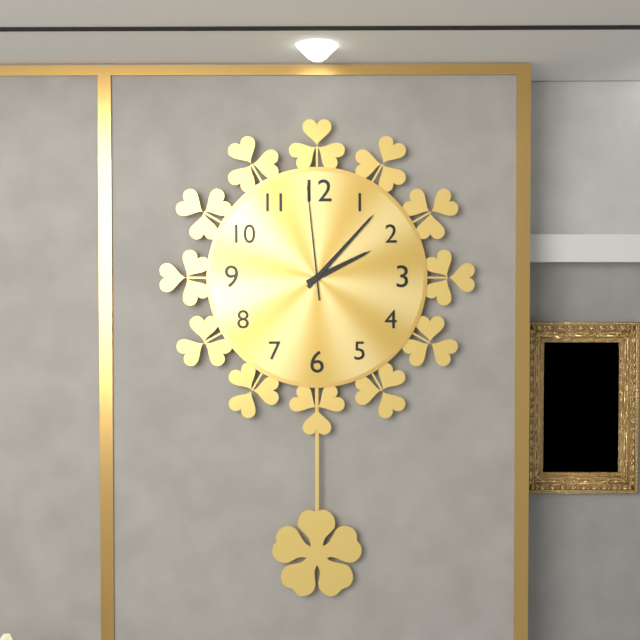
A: 2:07:59
